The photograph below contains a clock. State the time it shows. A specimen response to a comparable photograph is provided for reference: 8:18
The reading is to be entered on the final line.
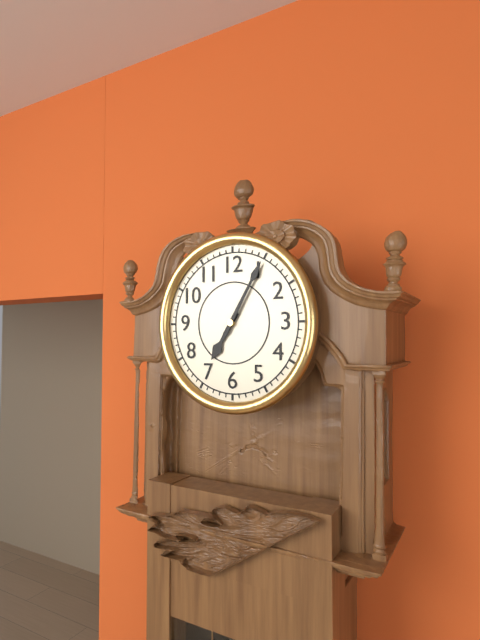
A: 7:05
